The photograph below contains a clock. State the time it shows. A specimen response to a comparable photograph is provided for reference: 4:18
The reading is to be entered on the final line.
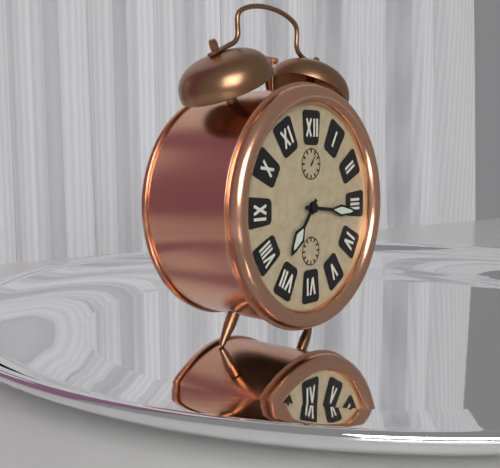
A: 7:16
